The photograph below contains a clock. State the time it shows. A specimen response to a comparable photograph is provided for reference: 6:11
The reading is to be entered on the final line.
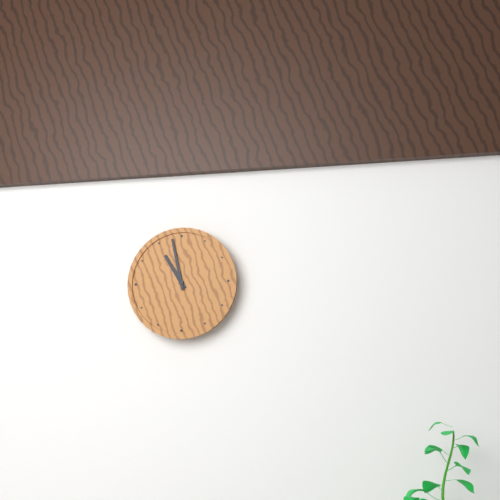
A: 10:58
